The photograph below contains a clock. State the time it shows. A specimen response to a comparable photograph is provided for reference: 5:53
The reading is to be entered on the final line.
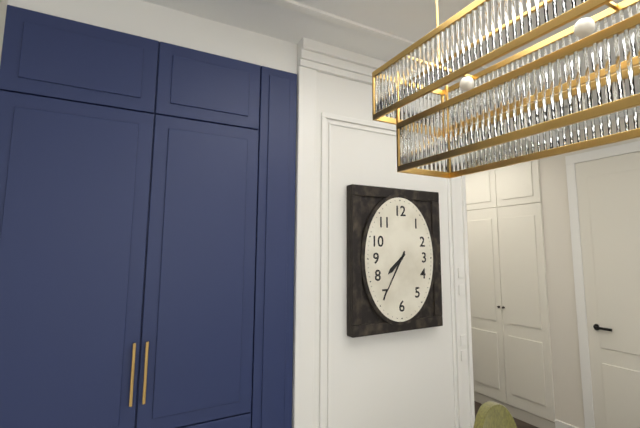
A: 7:35
